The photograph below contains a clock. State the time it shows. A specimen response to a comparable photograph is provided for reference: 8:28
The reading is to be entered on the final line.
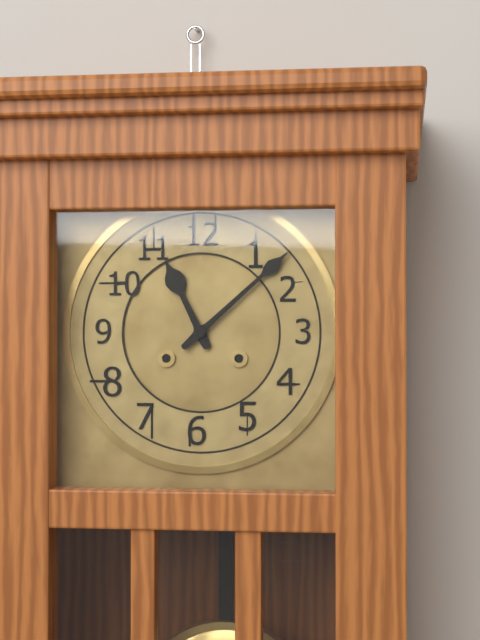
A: 11:08
